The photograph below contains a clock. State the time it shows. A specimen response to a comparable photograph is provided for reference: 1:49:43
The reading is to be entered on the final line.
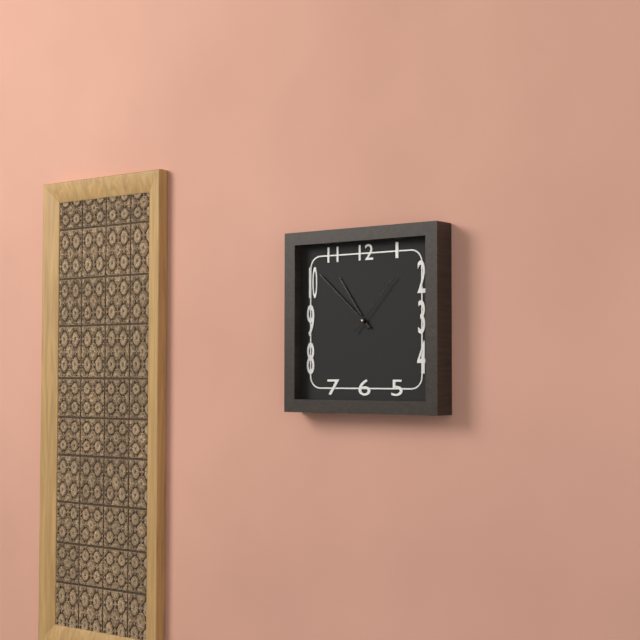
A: 10:52:07
